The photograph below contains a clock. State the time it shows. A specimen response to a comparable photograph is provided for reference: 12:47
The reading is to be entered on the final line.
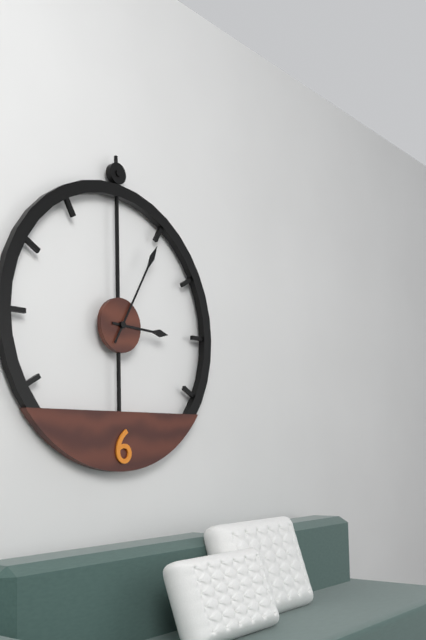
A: 3:05
